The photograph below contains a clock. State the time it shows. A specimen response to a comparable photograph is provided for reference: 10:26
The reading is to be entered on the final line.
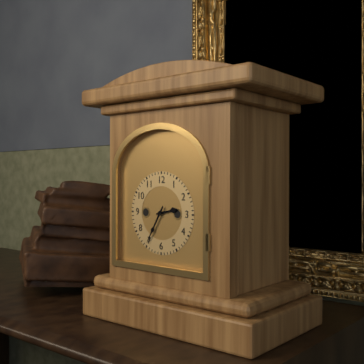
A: 2:35
